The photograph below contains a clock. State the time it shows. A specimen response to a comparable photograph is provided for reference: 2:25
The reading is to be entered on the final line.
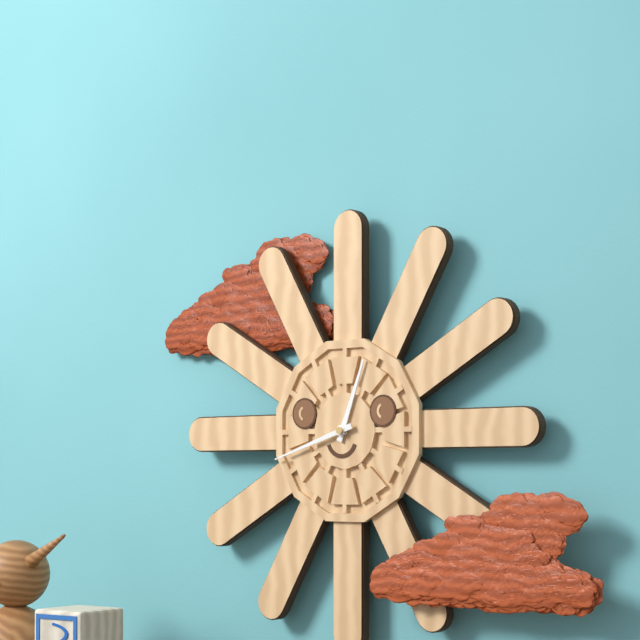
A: 12:42
